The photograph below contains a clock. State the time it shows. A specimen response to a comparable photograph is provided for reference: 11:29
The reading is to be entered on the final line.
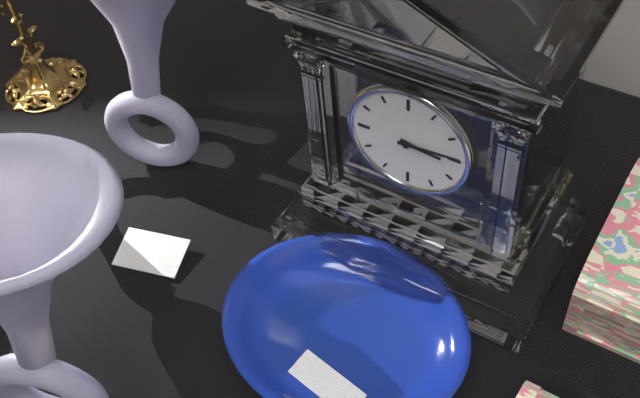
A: 3:14
